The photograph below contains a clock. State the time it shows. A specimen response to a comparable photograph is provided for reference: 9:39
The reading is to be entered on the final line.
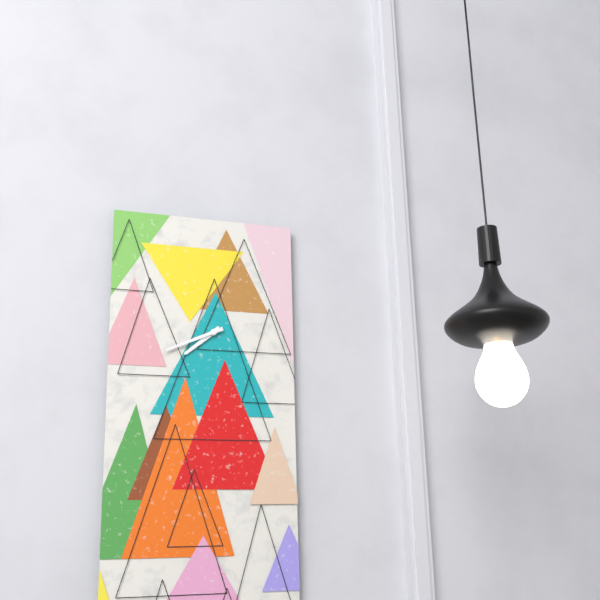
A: 7:41
